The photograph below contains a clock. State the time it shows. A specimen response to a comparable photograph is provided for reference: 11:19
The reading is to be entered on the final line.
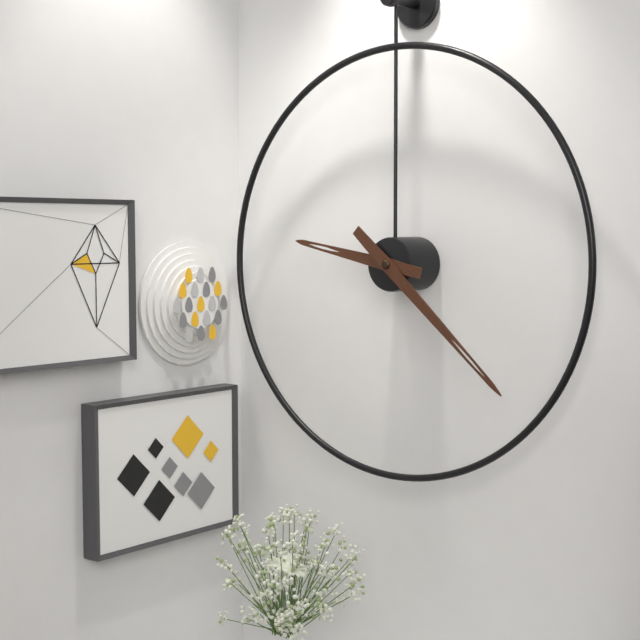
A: 9:22
